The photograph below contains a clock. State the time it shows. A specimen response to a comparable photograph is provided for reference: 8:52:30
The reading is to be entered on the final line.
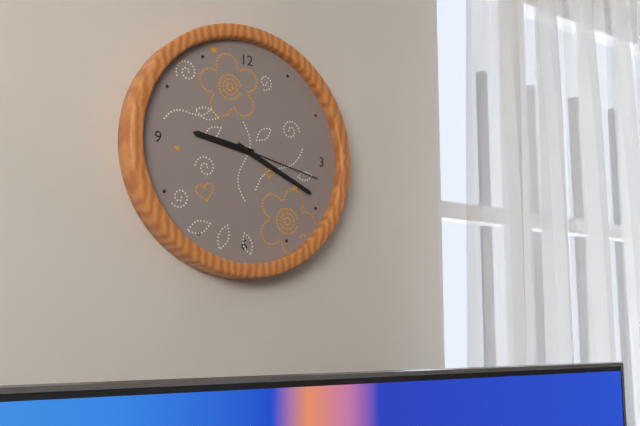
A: 9:19:17
